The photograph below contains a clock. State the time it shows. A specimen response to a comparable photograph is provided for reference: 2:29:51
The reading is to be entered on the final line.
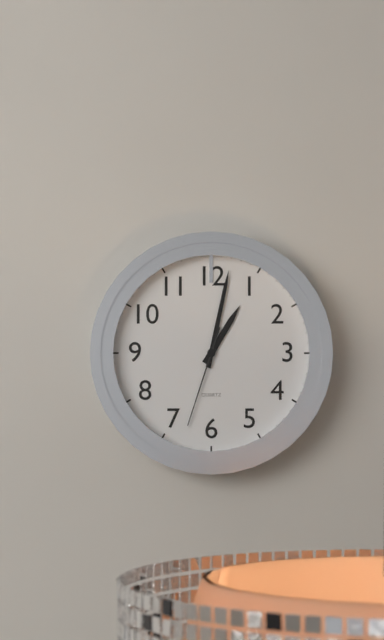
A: 1:02:33
